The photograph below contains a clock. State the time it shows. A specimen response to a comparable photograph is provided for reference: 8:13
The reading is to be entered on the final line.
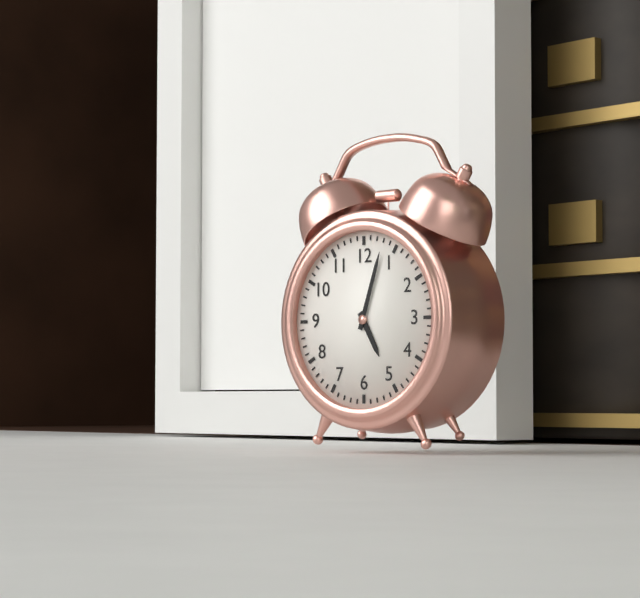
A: 5:03
